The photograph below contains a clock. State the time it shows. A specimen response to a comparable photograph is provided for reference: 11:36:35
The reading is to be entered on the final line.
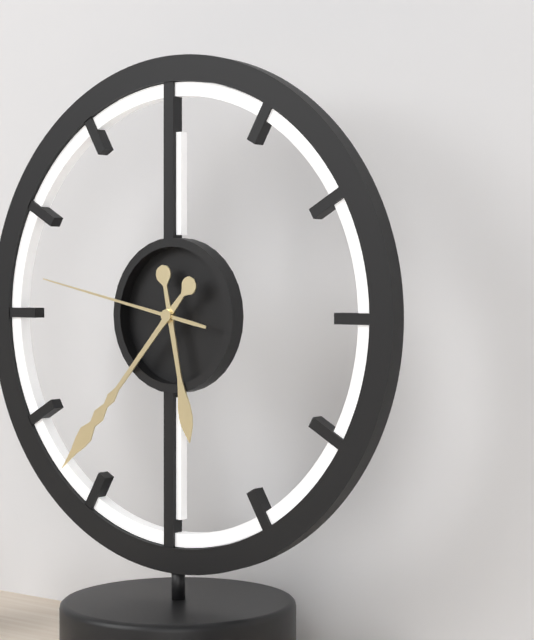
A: 5:37:47
